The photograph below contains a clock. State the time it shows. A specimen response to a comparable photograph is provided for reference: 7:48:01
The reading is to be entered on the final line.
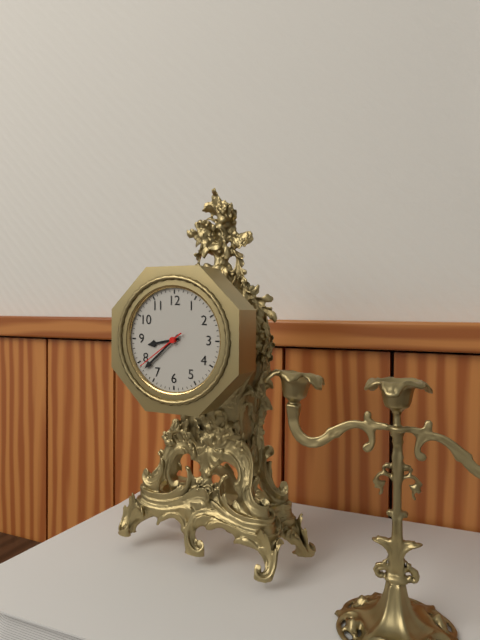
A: 8:38:39
